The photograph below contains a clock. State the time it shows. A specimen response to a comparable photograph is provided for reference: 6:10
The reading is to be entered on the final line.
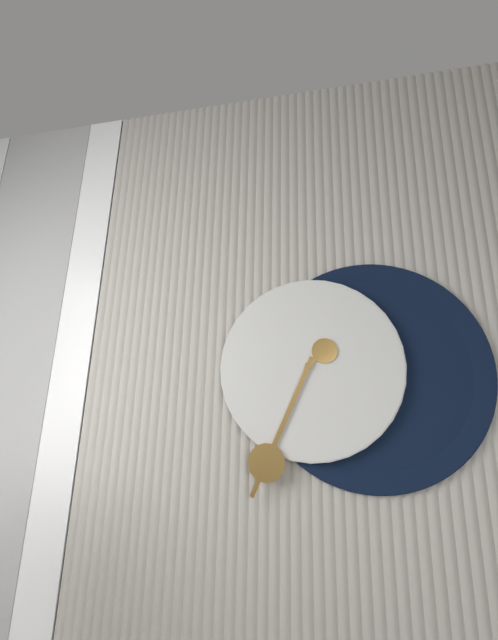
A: 1:34
